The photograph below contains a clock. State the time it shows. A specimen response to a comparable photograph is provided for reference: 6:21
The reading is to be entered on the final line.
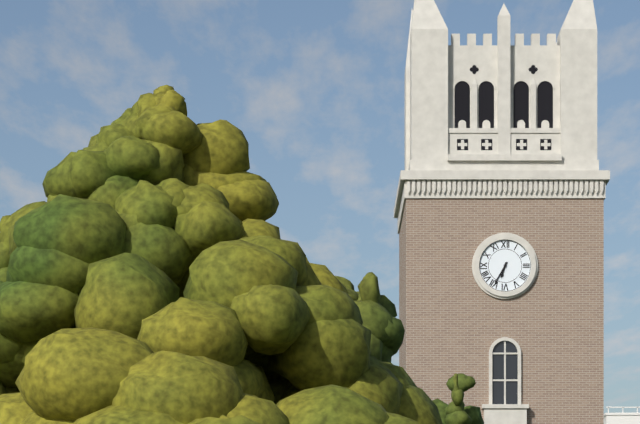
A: 6:35
